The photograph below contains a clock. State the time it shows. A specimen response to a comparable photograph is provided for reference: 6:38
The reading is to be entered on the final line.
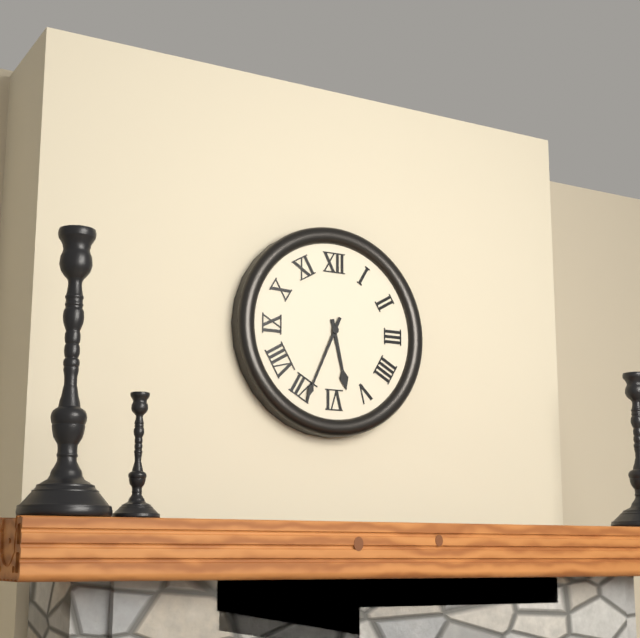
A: 5:34
